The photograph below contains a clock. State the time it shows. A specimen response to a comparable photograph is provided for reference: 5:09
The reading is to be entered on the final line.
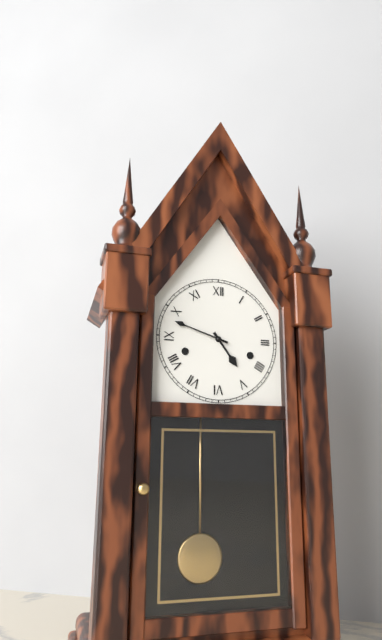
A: 4:48
